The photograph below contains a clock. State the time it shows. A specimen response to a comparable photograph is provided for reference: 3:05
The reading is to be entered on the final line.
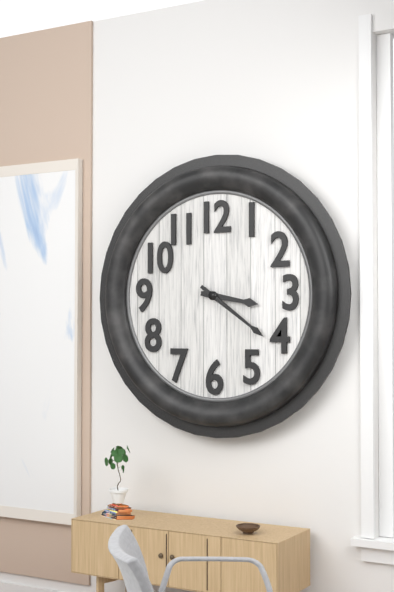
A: 3:21
